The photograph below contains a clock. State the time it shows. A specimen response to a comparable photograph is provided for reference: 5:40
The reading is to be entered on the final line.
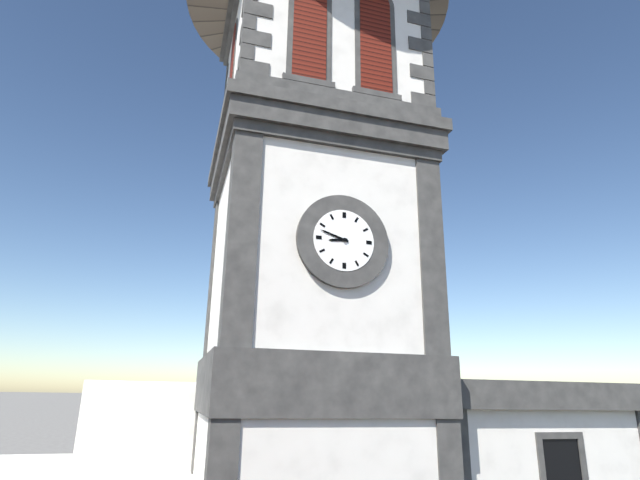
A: 8:48
